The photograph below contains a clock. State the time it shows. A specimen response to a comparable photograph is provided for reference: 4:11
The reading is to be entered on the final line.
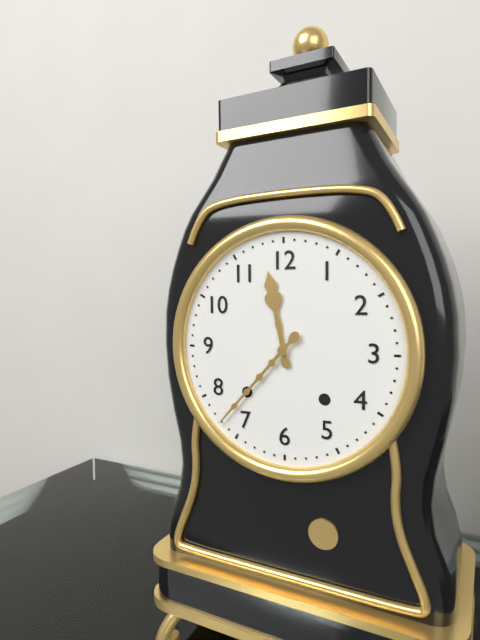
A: 11:37
